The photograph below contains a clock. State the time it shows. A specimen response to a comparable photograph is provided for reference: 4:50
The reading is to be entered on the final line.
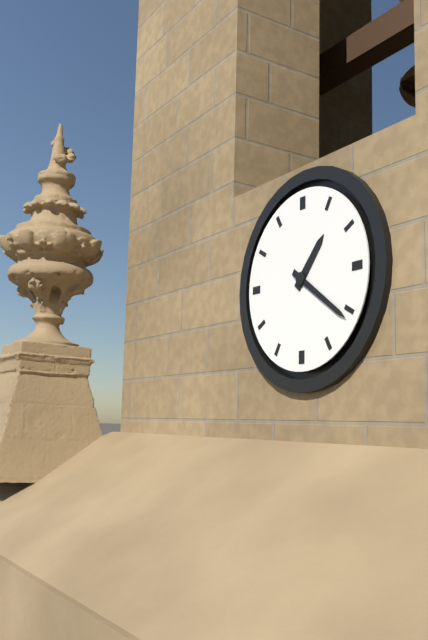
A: 1:21
